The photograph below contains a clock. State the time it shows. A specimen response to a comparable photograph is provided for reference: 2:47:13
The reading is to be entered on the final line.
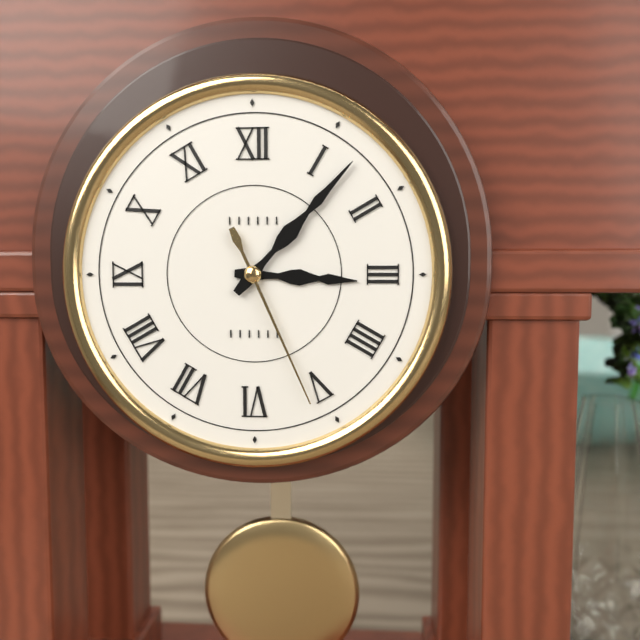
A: 3:07:26
